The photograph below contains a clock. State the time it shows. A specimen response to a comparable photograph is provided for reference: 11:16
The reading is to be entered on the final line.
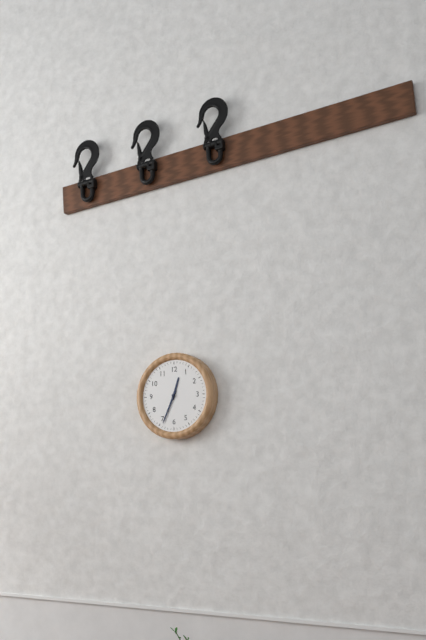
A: 12:34
